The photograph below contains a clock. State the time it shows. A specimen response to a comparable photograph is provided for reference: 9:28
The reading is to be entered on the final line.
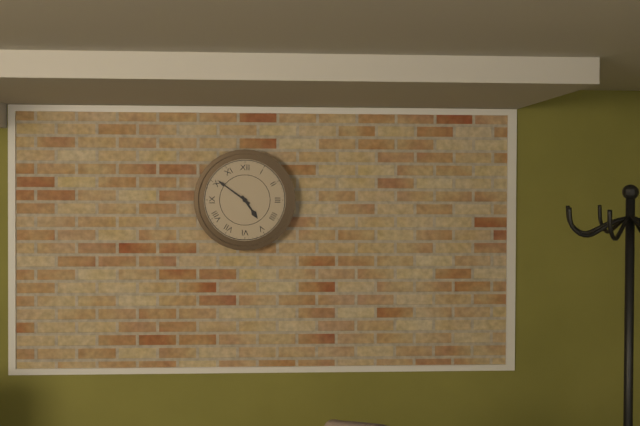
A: 4:51
